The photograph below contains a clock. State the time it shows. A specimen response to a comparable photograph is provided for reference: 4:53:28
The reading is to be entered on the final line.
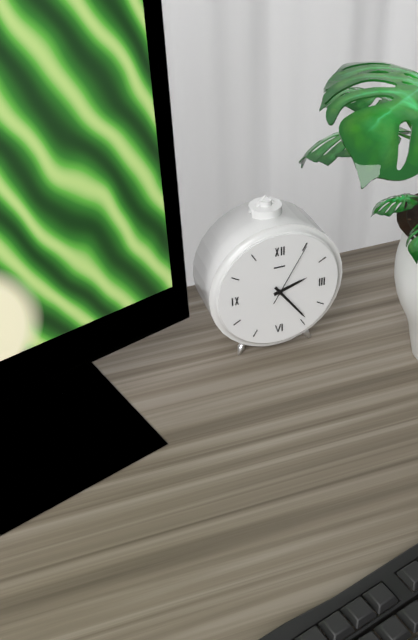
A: 2:24:05
